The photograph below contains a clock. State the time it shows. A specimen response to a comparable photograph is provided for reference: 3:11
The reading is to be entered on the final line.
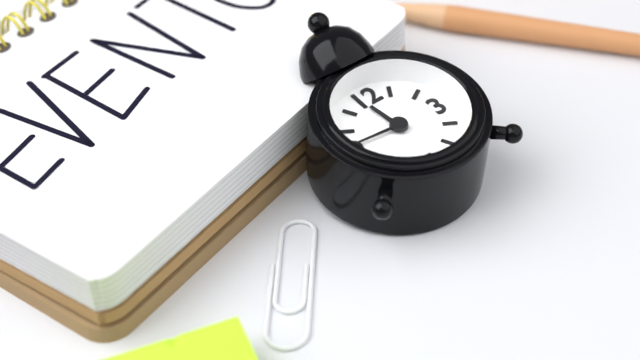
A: 11:46
